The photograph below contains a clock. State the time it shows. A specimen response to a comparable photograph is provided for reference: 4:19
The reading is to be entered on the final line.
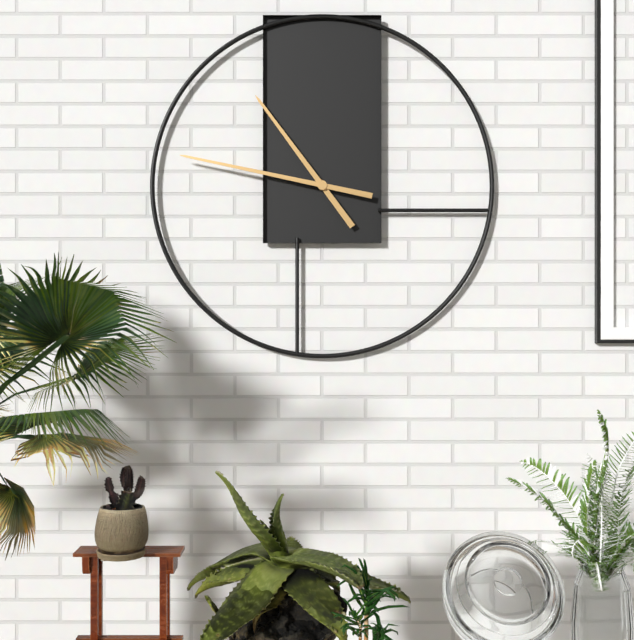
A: 10:47
